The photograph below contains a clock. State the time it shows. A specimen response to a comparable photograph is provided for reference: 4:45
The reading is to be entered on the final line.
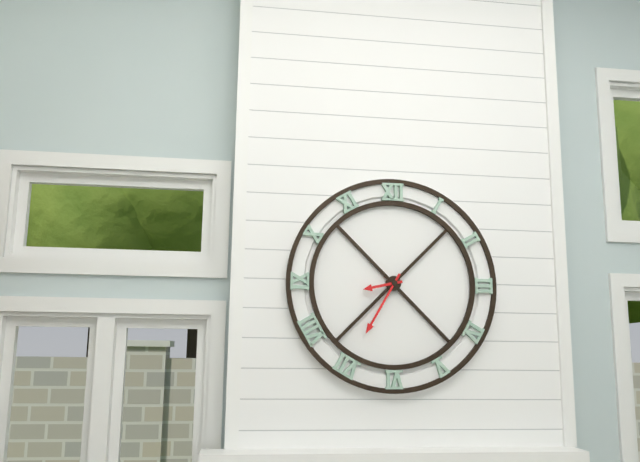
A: 8:35
